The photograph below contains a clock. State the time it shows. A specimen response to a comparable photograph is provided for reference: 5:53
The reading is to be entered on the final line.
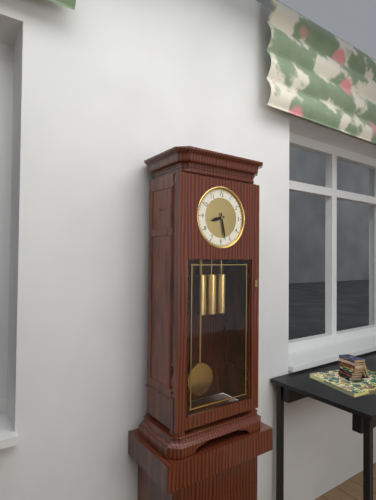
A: 8:28
